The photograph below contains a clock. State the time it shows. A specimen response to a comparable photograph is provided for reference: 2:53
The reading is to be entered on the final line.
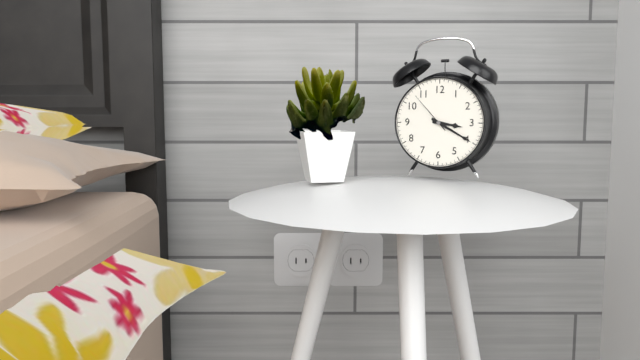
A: 3:20
